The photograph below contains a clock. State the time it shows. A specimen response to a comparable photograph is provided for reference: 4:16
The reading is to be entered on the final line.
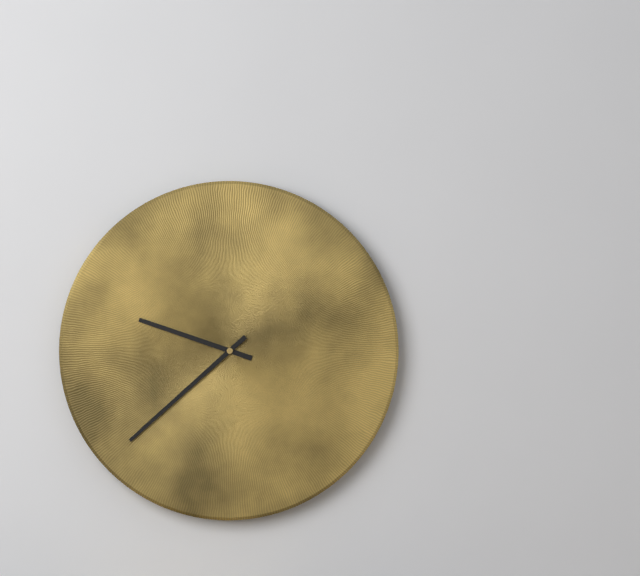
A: 9:38
